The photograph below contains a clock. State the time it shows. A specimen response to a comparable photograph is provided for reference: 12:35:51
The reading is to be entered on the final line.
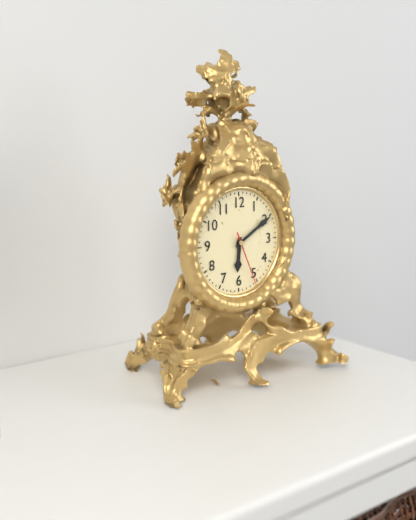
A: 6:10:26
